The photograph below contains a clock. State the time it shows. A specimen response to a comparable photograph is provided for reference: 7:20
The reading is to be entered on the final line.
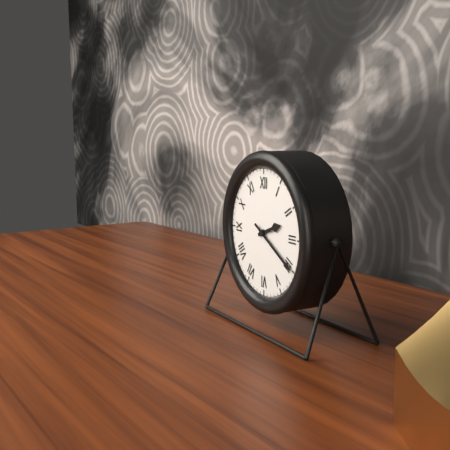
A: 2:20
